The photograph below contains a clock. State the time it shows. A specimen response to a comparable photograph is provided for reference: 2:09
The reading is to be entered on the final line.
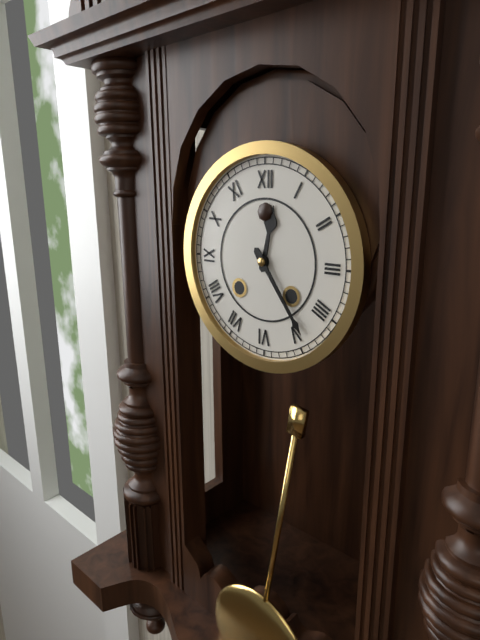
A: 12:24
